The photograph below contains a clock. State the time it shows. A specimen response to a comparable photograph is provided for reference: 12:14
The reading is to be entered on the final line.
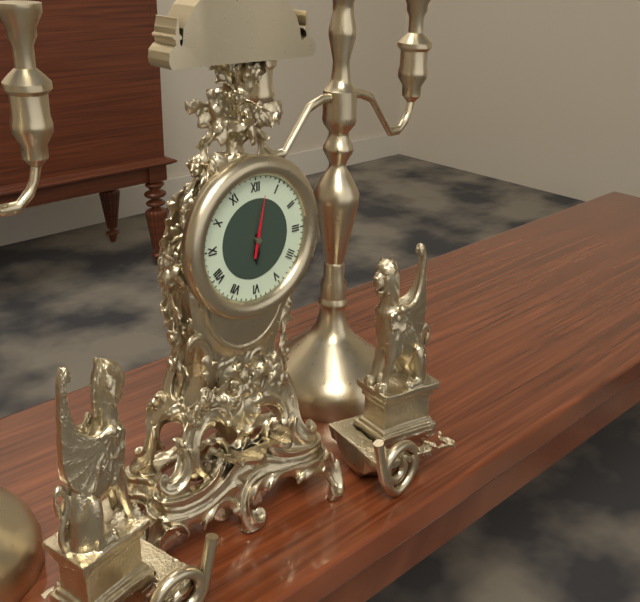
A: 6:02
